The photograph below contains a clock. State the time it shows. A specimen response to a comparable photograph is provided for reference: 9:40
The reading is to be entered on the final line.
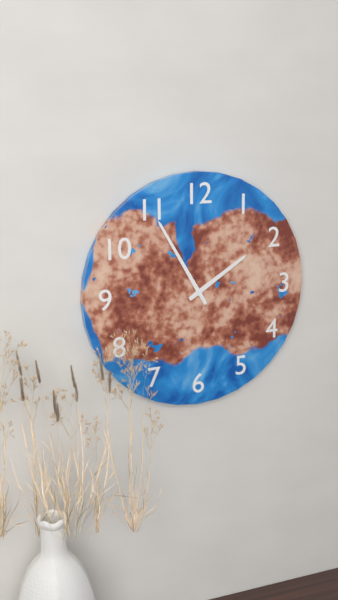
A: 1:55
